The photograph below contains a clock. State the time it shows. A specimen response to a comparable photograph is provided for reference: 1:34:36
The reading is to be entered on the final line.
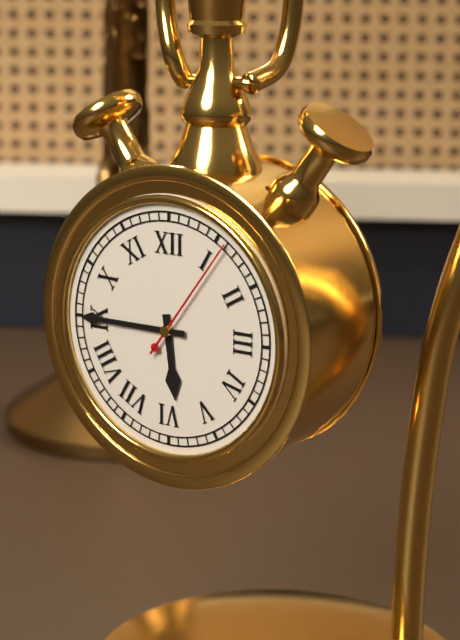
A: 5:45:06
